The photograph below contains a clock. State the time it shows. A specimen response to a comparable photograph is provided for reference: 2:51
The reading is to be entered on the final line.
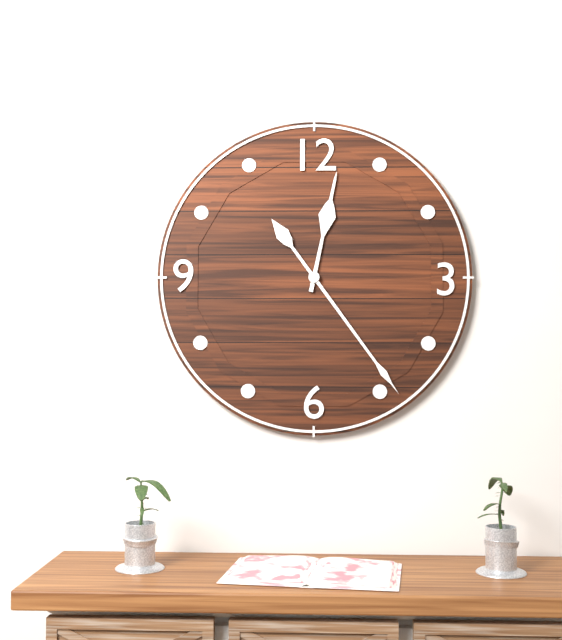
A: 12:24
